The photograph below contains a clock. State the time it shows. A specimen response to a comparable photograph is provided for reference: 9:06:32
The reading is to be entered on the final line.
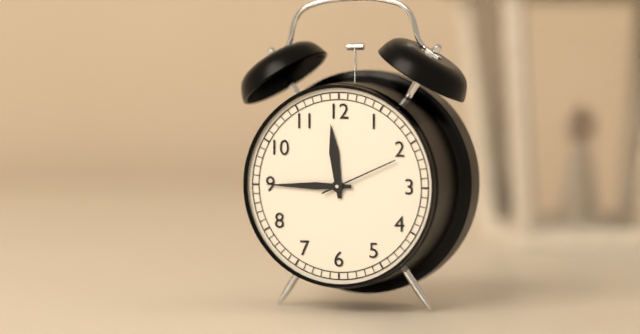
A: 11:45:11
